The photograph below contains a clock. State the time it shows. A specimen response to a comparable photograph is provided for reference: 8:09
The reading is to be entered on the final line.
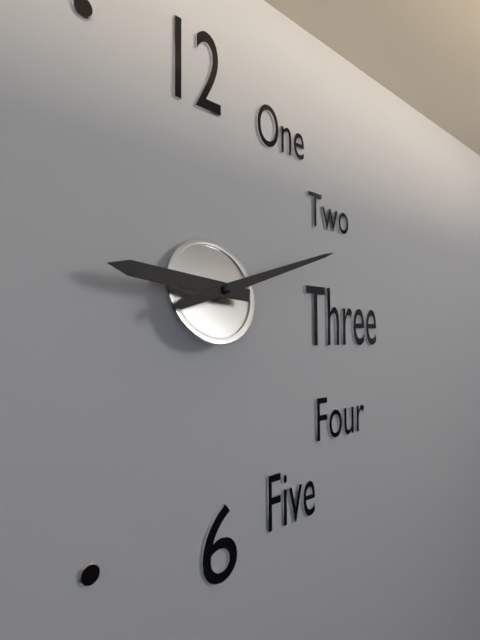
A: 9:12
